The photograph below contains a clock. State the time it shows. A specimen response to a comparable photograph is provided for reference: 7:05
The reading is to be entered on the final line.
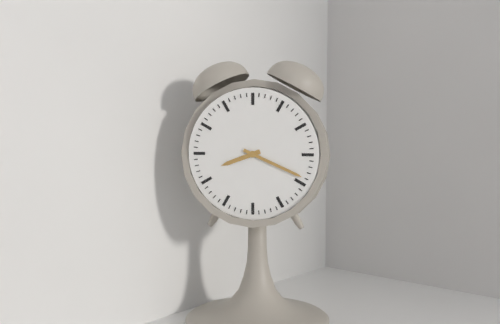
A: 8:19
